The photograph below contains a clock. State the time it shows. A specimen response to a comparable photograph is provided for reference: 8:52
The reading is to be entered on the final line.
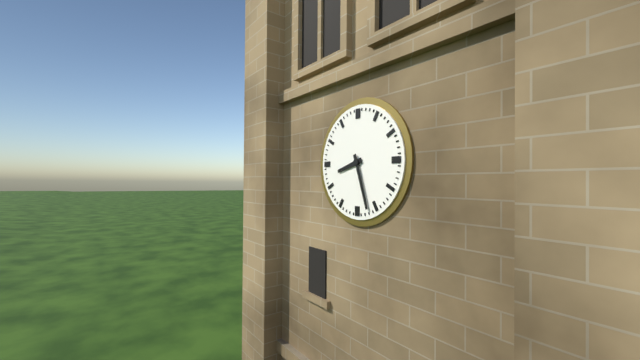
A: 8:27
